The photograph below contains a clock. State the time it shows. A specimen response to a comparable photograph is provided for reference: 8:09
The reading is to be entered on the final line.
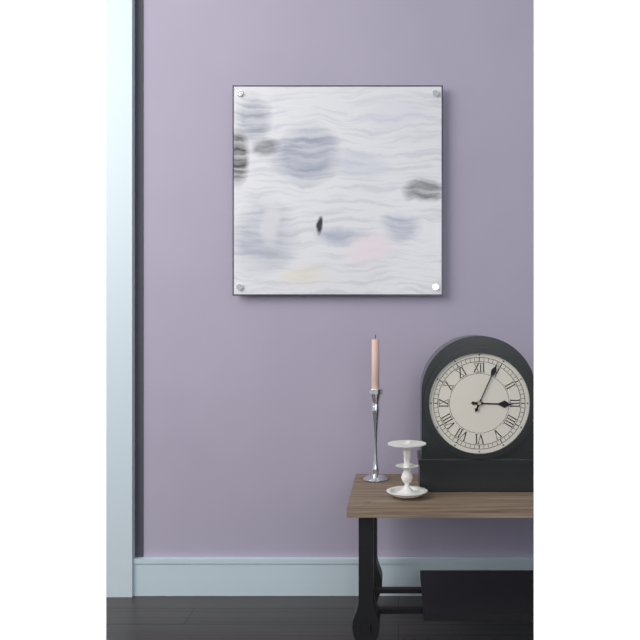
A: 3:04
